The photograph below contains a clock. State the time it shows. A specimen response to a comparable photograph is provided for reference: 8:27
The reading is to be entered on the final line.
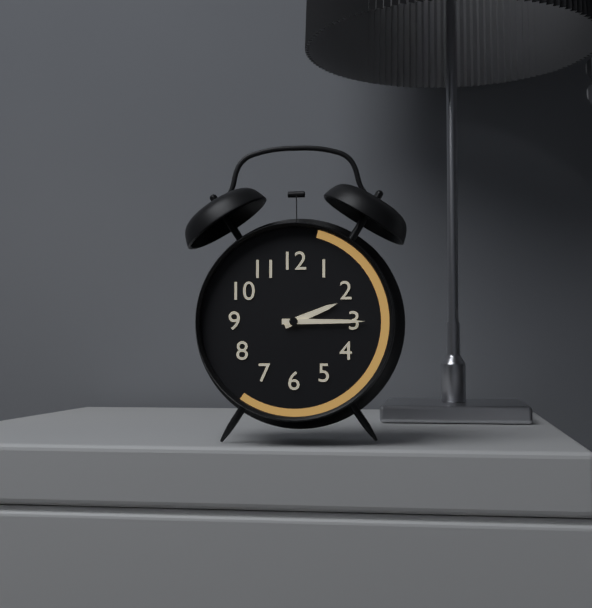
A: 2:15
